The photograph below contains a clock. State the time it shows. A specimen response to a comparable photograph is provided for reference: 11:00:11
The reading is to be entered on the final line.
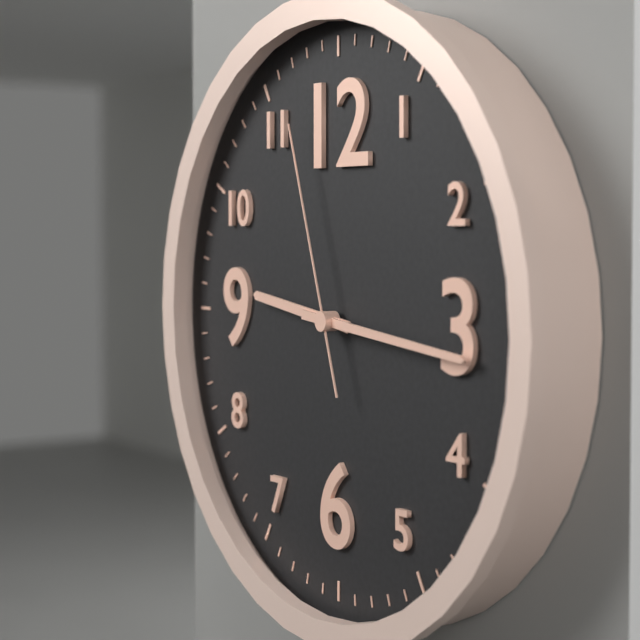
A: 9:16:57
